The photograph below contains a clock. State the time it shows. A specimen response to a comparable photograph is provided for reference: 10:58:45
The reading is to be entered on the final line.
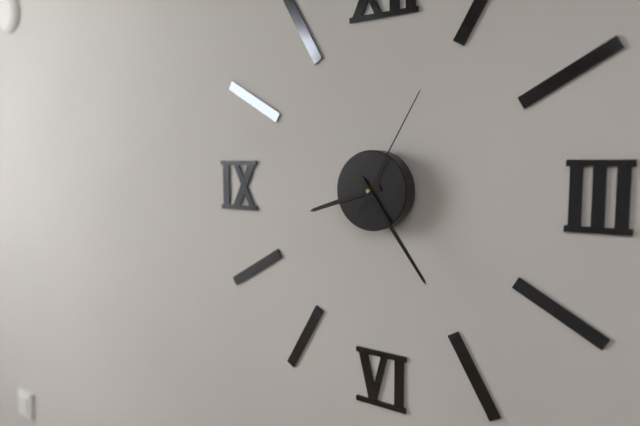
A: 8:24:05
